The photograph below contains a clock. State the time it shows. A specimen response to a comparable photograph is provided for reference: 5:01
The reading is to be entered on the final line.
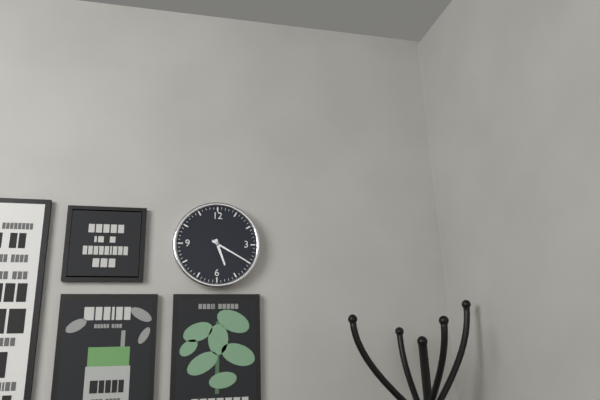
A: 5:20
